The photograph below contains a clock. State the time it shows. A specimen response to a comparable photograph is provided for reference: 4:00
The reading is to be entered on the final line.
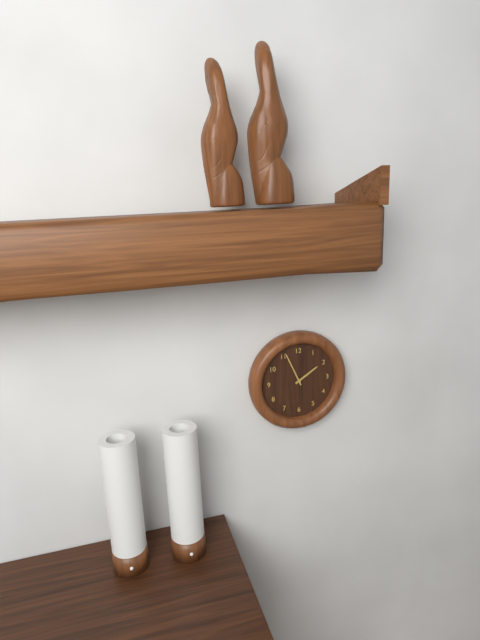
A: 1:56
